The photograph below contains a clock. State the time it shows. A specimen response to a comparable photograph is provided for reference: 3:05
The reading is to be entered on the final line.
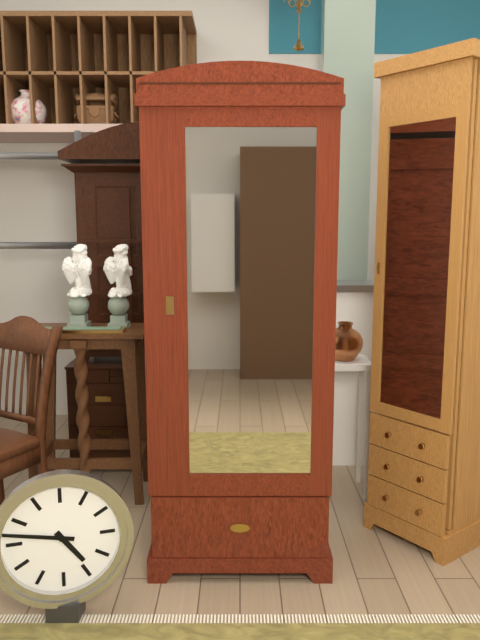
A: 4:47
